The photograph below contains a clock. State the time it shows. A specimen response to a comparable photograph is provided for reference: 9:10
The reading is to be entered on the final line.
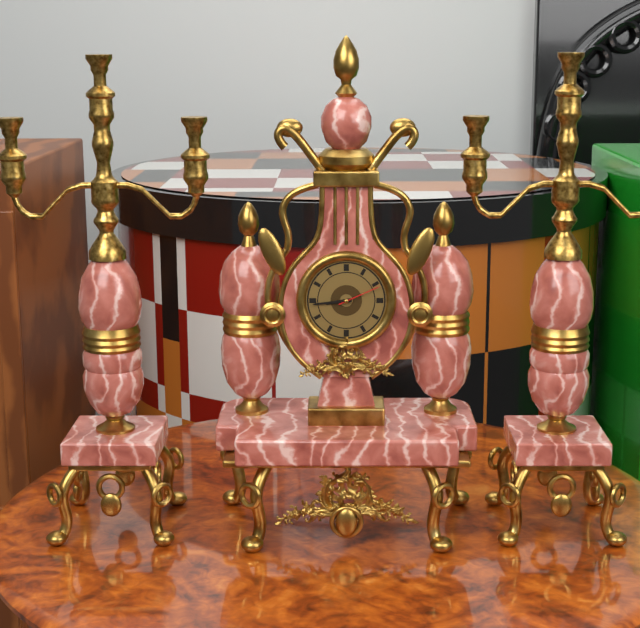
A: 8:44
